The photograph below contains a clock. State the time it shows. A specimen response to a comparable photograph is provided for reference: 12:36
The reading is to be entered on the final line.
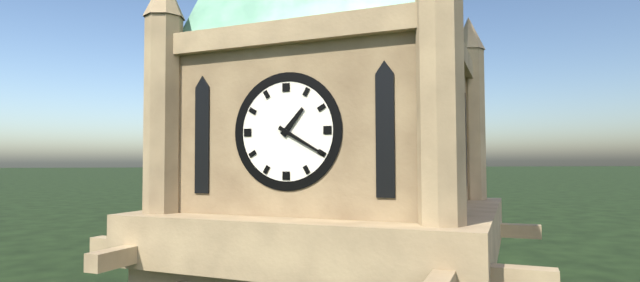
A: 1:20
